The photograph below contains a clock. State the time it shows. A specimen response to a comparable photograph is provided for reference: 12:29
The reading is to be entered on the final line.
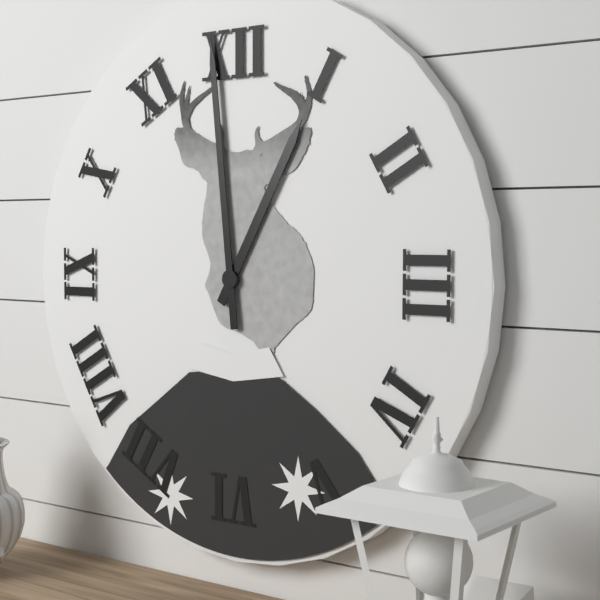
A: 12:59
